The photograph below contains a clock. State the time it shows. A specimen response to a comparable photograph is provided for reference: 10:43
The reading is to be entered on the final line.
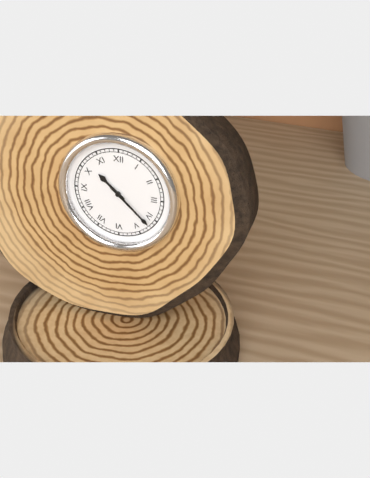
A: 10:22
